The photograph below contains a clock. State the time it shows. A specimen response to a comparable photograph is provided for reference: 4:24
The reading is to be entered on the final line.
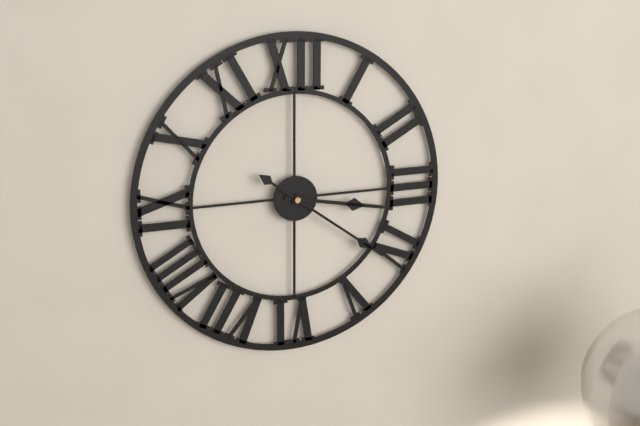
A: 3:21
